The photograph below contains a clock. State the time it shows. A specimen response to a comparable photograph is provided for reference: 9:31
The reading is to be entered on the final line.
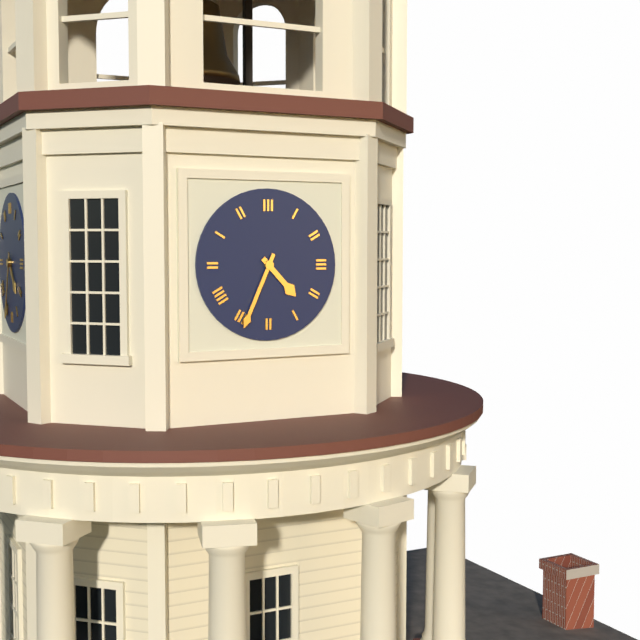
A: 4:34
